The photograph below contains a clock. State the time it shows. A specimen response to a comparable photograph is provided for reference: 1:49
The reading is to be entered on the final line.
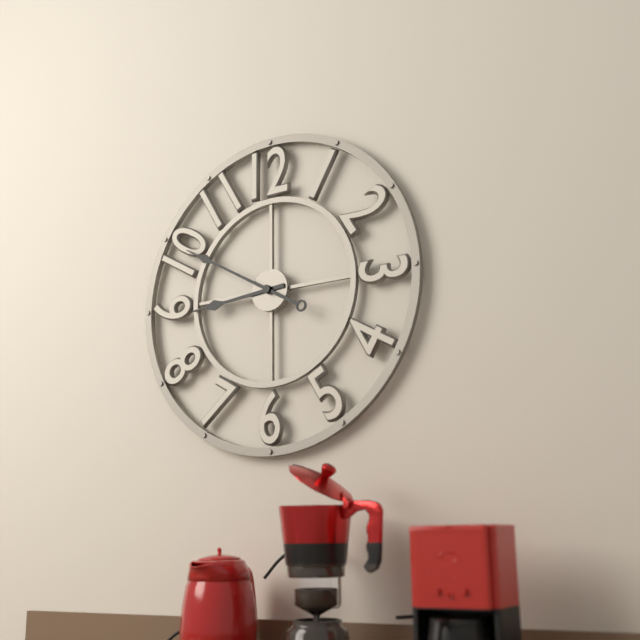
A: 8:50
